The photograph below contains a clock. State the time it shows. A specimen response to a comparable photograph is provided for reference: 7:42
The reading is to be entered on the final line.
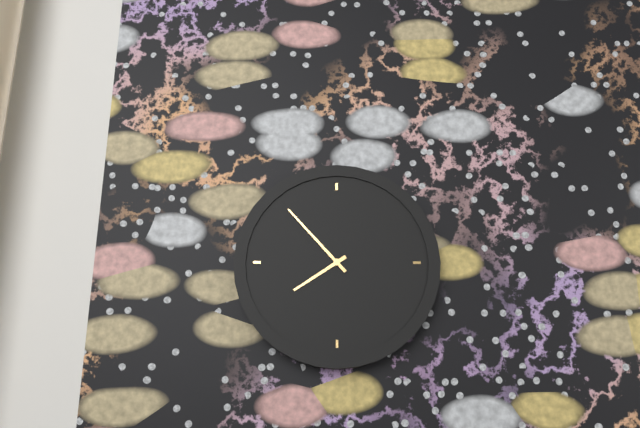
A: 7:53
